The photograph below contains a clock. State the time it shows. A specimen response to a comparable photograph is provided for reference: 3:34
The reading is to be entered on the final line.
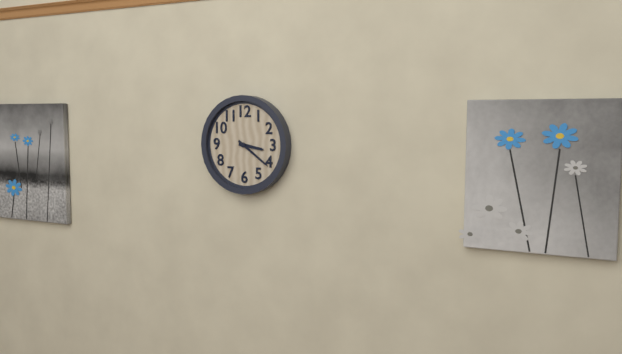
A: 3:21
